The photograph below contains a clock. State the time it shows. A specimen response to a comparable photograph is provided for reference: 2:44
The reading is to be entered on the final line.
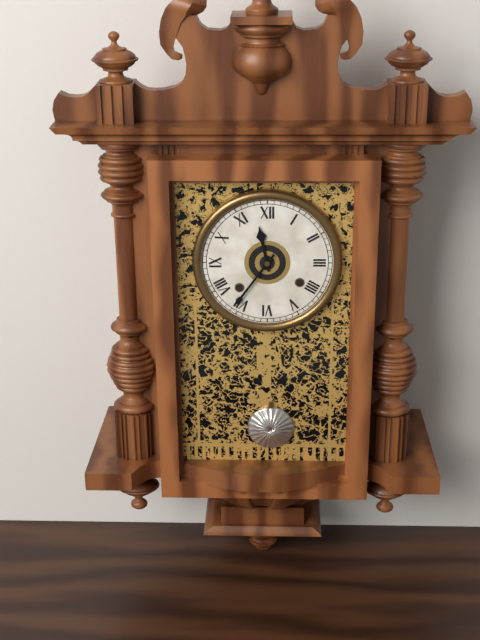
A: 11:36
